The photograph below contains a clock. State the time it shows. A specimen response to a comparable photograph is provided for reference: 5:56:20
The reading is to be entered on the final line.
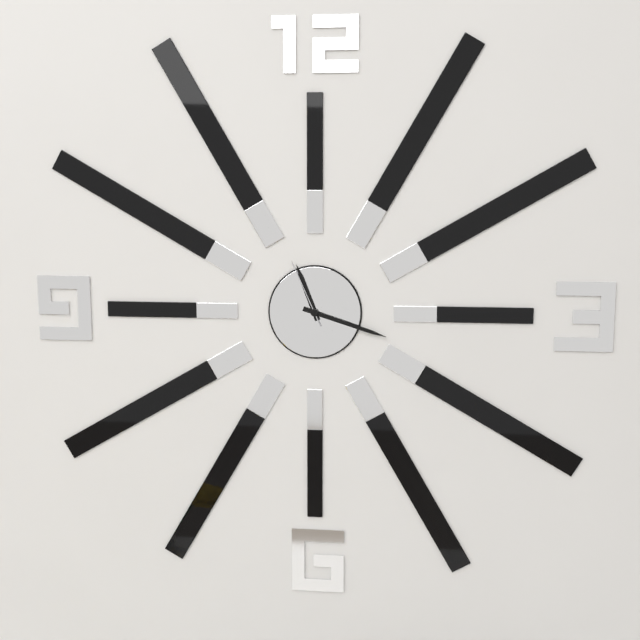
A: 11:18:56
